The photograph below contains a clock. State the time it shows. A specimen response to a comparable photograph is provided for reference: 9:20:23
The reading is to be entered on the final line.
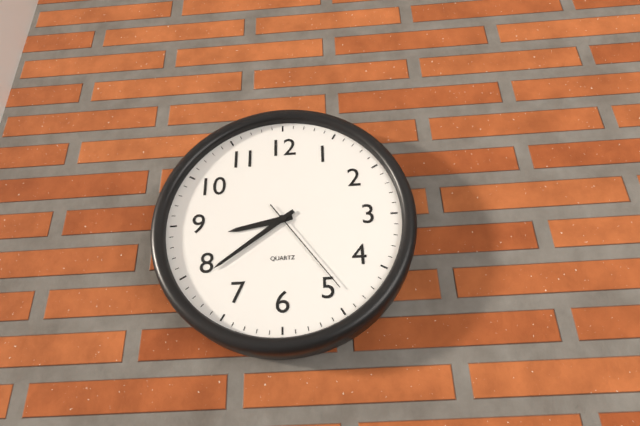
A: 8:39:24
